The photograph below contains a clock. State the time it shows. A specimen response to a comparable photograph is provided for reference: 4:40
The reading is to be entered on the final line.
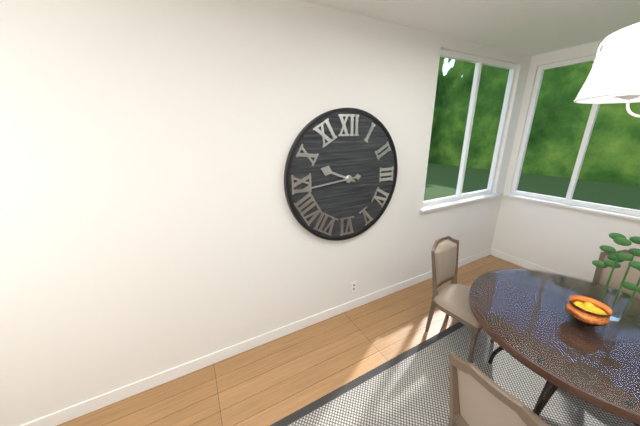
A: 9:44
